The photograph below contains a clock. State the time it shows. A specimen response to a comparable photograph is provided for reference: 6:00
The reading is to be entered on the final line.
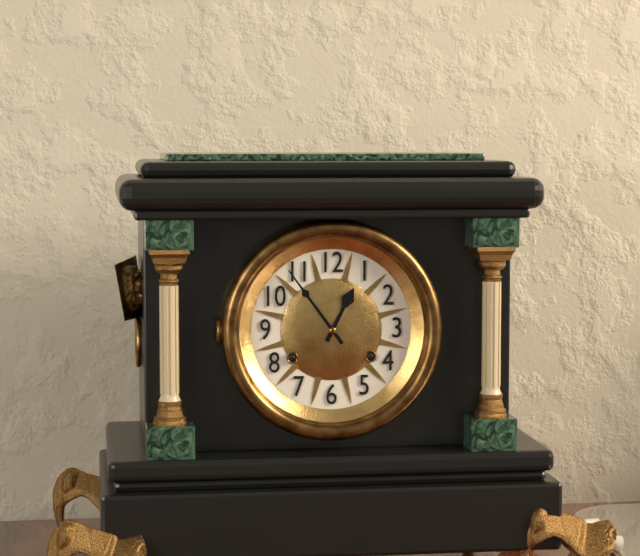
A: 12:54
